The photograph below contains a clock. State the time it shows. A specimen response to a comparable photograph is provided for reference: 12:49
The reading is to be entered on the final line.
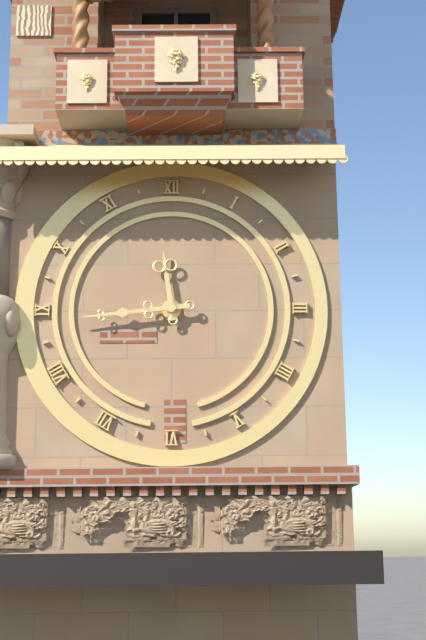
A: 11:44
